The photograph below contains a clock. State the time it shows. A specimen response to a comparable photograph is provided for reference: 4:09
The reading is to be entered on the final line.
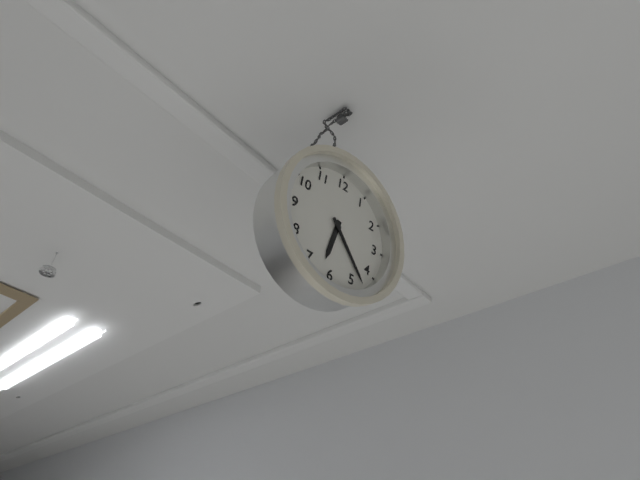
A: 6:23
